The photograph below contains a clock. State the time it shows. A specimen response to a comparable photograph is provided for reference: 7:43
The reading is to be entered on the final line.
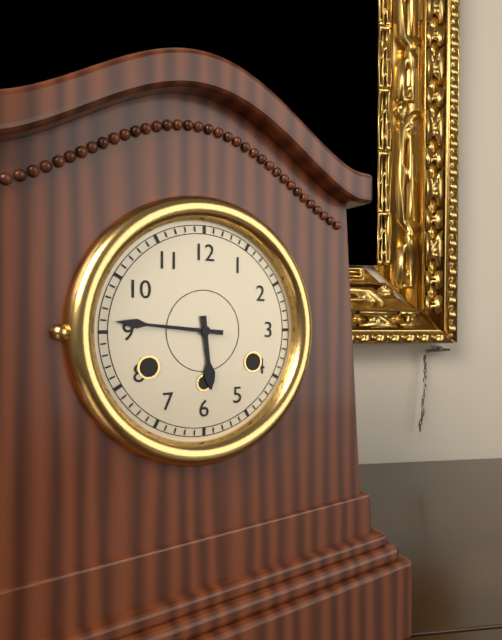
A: 5:46
